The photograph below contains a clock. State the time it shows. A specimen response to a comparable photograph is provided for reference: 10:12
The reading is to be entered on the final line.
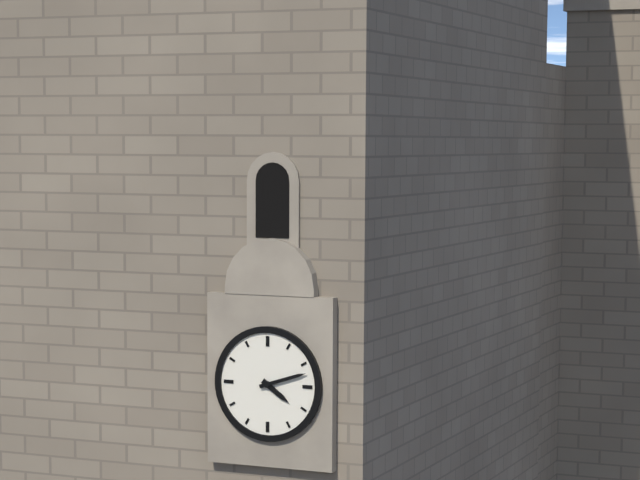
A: 4:12
